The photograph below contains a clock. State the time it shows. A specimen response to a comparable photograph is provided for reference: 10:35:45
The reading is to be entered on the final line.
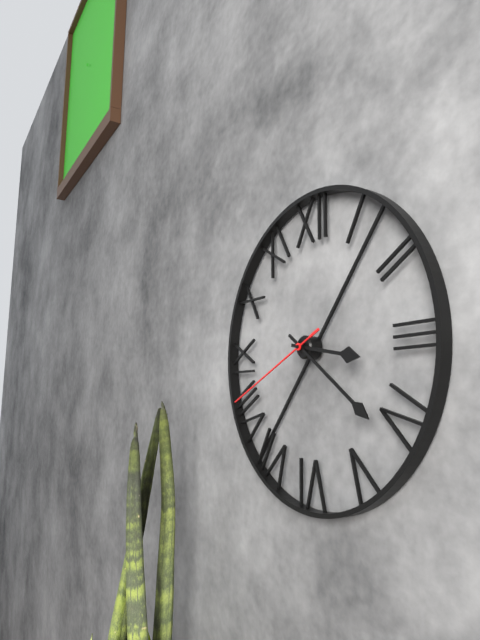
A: 3:21:41
